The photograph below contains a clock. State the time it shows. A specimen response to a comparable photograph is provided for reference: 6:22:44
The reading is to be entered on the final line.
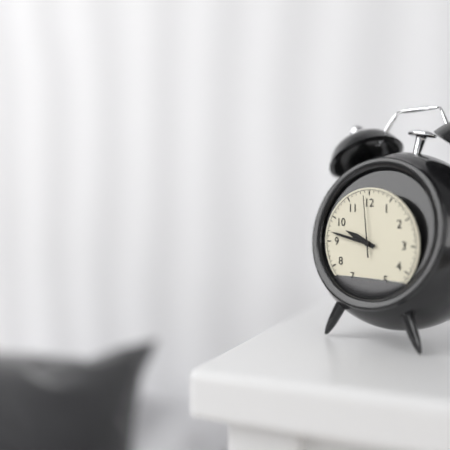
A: 9:47:59
